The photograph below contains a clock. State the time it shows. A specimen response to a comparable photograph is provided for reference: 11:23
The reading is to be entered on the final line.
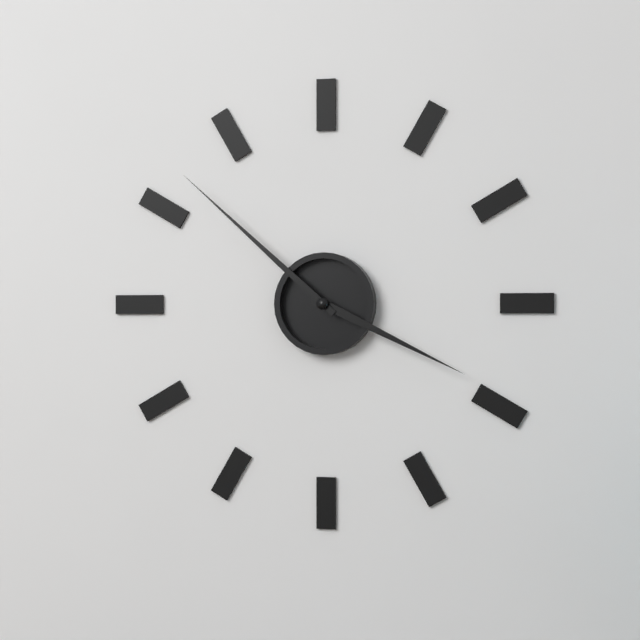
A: 3:52
